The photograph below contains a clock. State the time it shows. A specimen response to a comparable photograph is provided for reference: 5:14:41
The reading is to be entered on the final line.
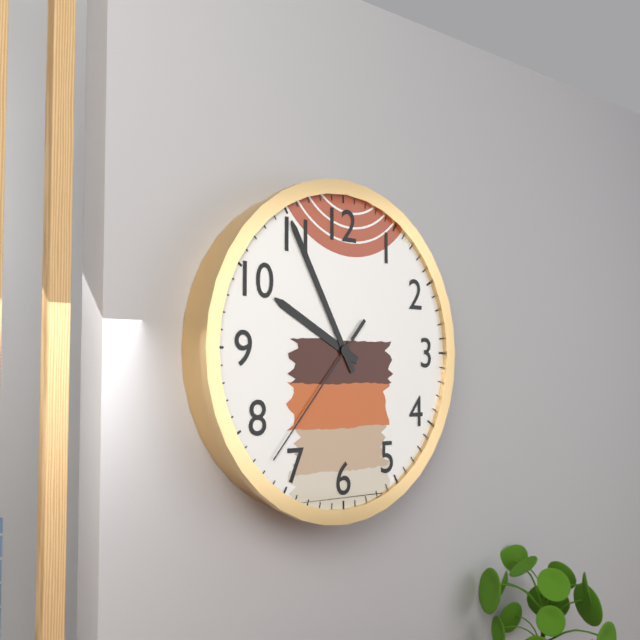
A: 9:55:37
